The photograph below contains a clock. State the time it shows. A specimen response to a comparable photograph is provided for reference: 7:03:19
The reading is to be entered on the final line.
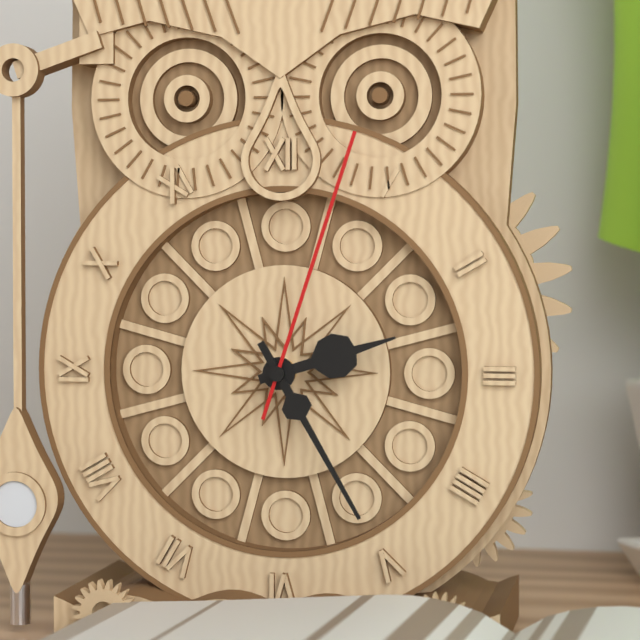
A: 2:25:03
